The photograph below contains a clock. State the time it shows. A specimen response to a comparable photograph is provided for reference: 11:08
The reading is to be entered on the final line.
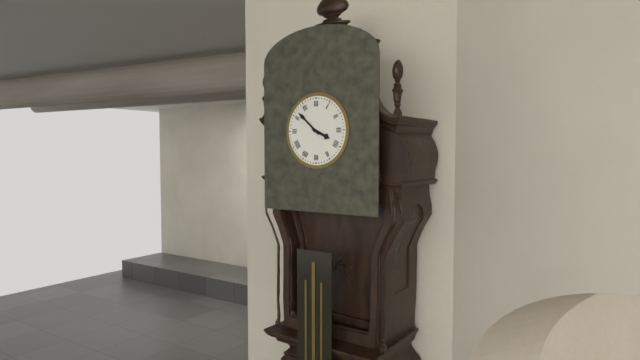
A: 3:52
